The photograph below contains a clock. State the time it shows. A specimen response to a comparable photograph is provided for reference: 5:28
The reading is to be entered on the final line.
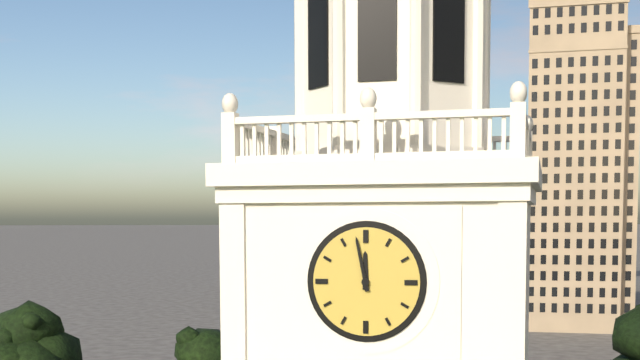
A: 11:58
